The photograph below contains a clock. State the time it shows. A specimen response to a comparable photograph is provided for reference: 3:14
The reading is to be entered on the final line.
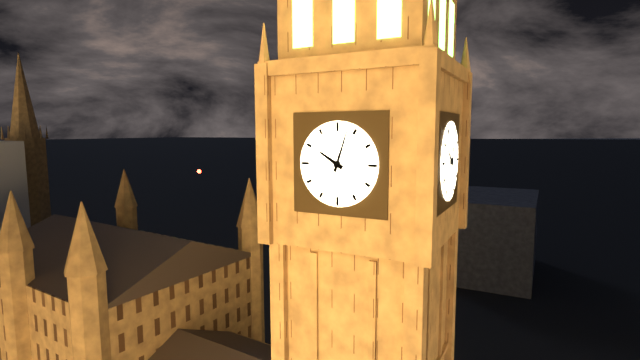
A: 10:03
